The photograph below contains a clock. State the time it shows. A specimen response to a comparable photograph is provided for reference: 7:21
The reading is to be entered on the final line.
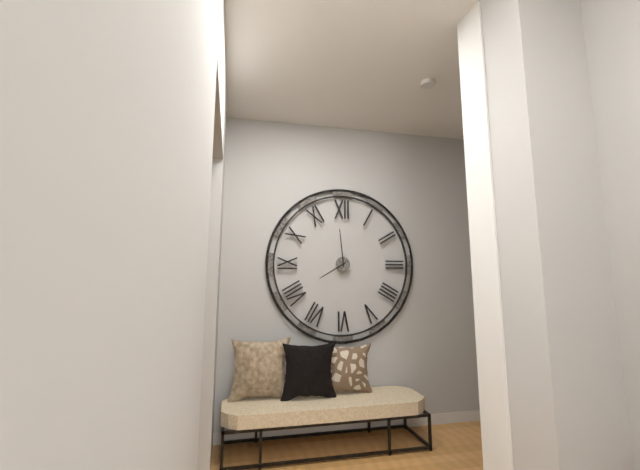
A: 7:59
